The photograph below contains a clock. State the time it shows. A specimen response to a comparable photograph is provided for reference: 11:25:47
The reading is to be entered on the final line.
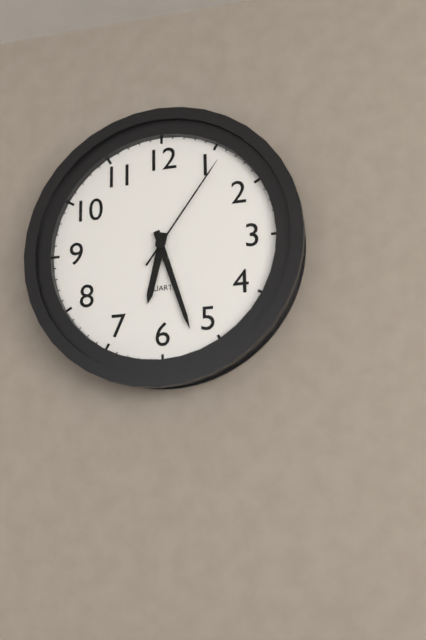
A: 6:27:06
